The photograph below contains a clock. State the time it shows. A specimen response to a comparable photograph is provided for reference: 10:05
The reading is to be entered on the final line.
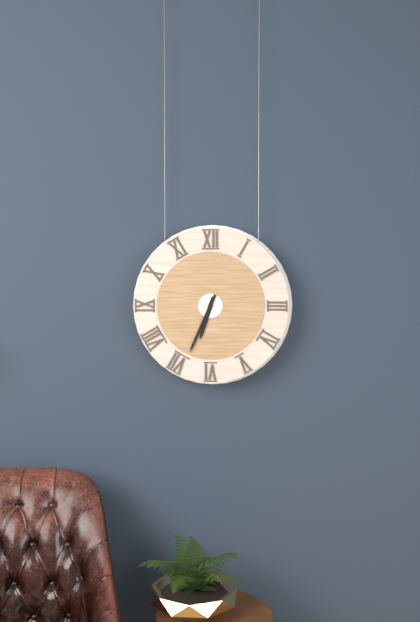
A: 6:34
